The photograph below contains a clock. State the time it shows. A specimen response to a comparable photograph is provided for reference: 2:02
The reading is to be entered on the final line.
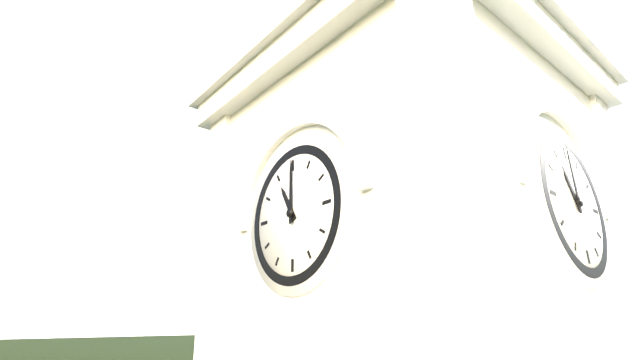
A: 11:00
